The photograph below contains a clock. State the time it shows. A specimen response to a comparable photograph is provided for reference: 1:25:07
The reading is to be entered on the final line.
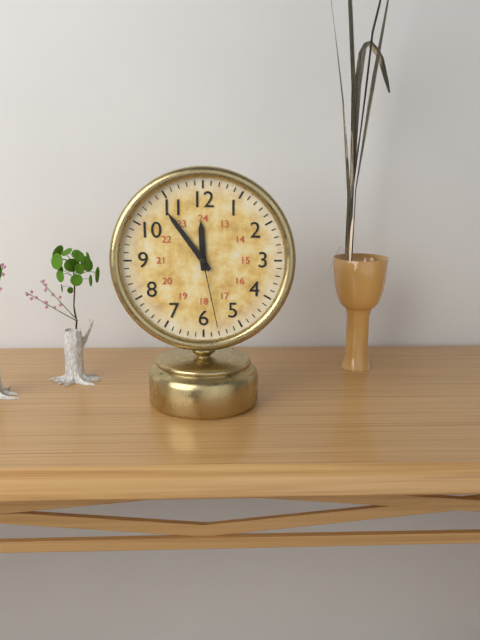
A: 11:54:28
